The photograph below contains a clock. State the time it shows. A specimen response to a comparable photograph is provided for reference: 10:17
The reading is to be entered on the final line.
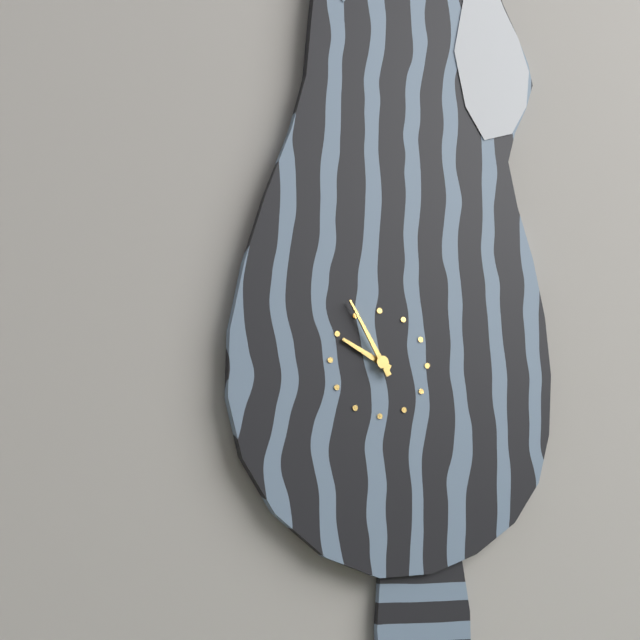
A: 9:55
